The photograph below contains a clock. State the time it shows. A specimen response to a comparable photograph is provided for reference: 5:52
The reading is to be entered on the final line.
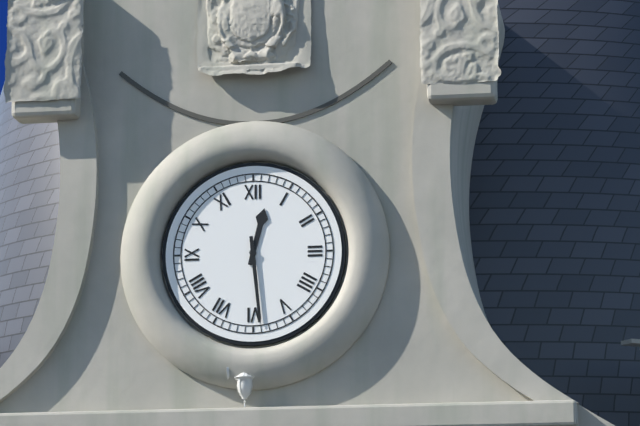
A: 12:29
